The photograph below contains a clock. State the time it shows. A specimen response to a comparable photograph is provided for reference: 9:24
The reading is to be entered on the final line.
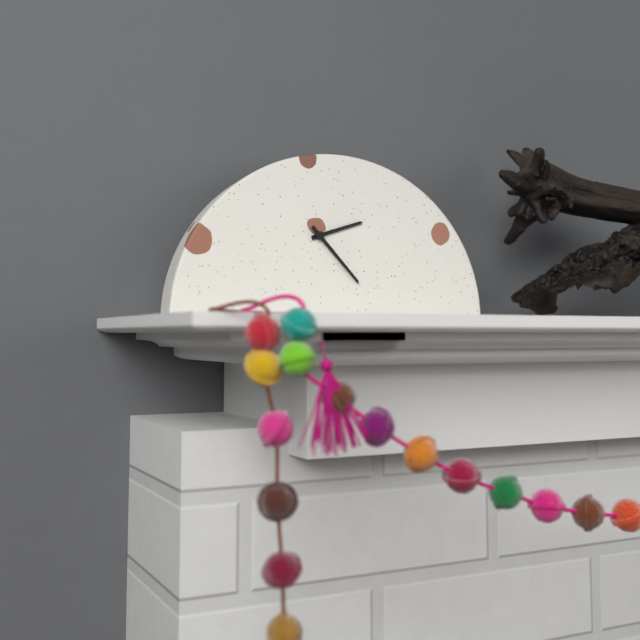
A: 2:23
